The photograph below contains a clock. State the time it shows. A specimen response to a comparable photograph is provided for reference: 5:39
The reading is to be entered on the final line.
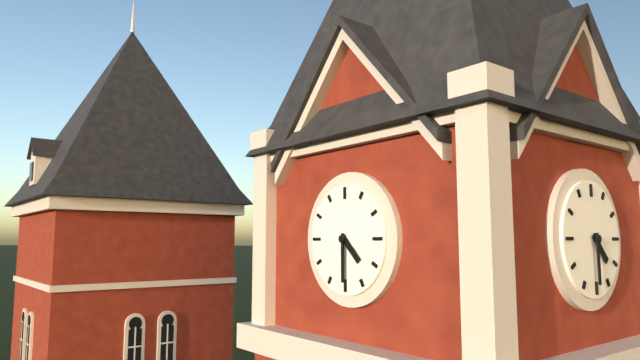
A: 4:30
